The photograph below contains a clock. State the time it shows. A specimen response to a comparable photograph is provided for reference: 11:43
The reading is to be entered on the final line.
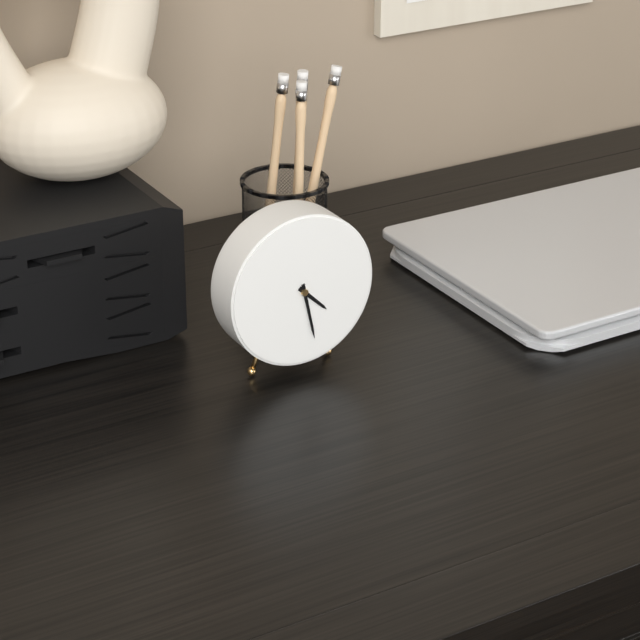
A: 4:28
